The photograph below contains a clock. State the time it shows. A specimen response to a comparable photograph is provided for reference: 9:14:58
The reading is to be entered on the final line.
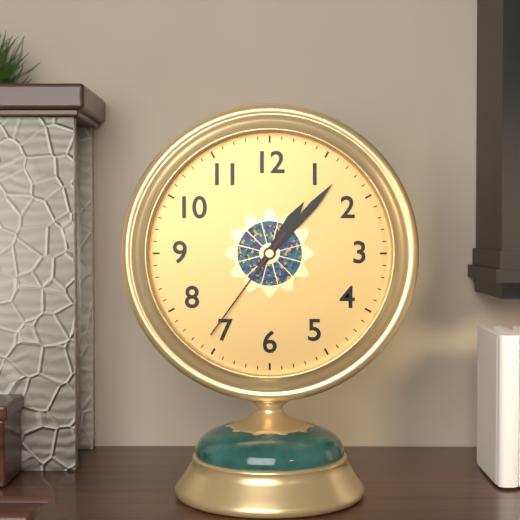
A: 1:07:36
